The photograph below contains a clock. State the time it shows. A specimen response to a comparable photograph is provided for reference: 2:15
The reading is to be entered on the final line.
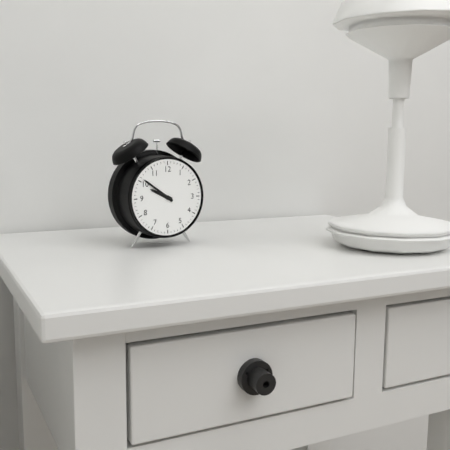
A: 9:51
